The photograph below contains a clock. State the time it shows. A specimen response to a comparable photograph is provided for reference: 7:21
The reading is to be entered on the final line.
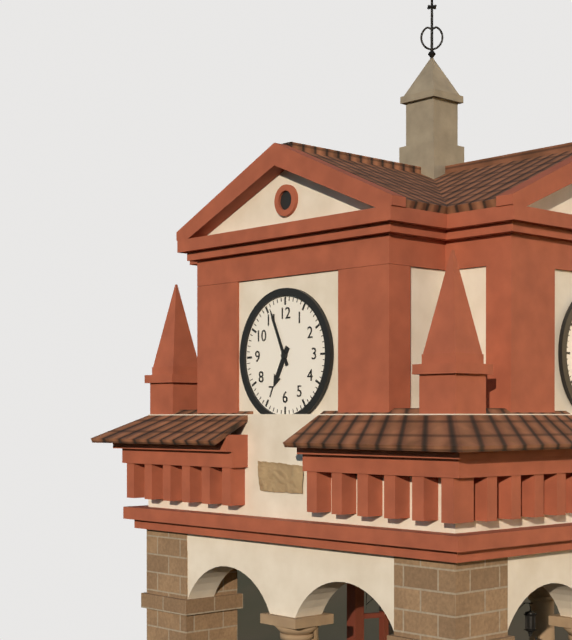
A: 6:56
